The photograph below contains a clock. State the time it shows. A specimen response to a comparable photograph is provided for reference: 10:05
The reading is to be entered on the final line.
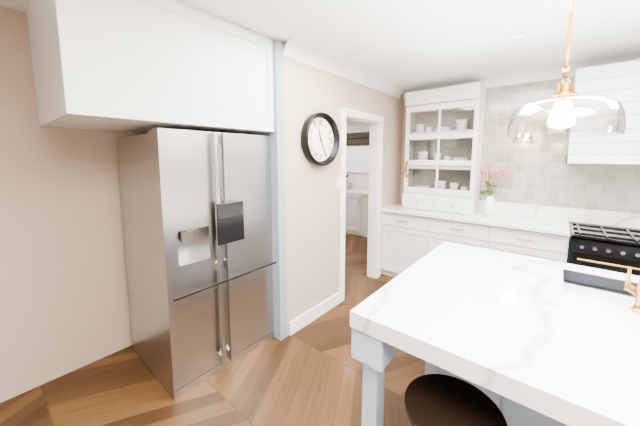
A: 11:26
